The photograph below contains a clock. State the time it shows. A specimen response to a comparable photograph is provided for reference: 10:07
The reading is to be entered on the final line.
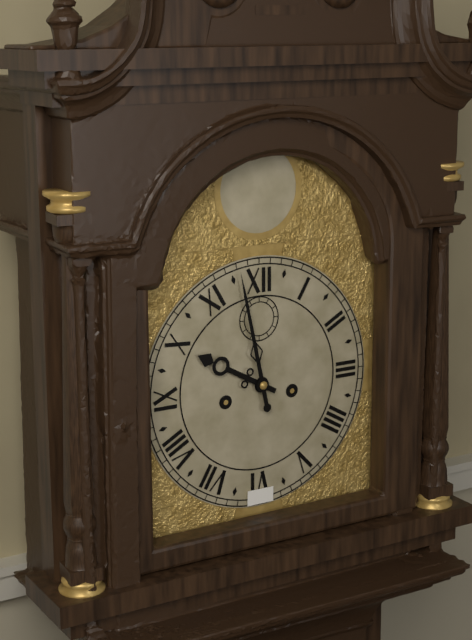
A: 9:58
